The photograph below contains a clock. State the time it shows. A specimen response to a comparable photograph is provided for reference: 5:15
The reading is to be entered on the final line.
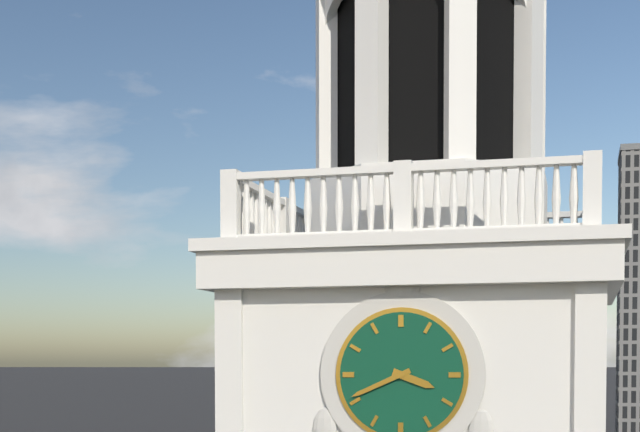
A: 3:41
